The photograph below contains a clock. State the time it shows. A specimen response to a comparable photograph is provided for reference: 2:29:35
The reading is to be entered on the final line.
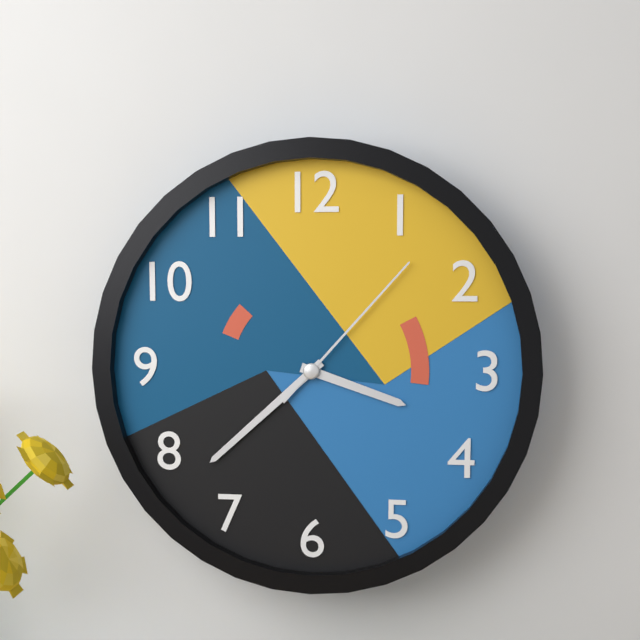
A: 3:38:07
